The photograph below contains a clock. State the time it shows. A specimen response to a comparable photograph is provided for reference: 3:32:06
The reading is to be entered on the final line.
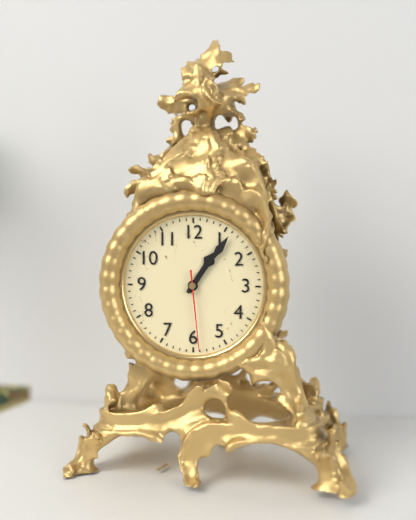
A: 1:06:29
